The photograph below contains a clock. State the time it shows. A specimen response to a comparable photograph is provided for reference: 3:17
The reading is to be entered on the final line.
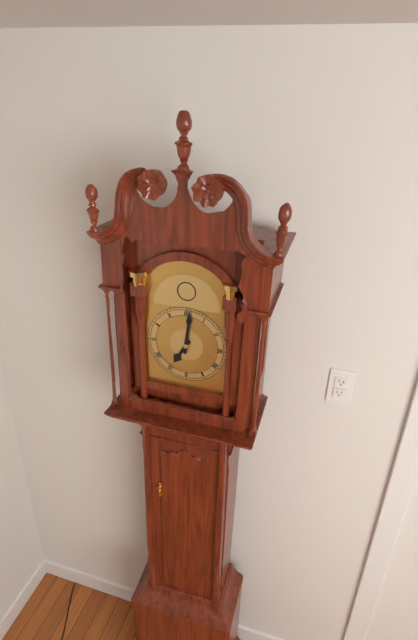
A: 7:01
